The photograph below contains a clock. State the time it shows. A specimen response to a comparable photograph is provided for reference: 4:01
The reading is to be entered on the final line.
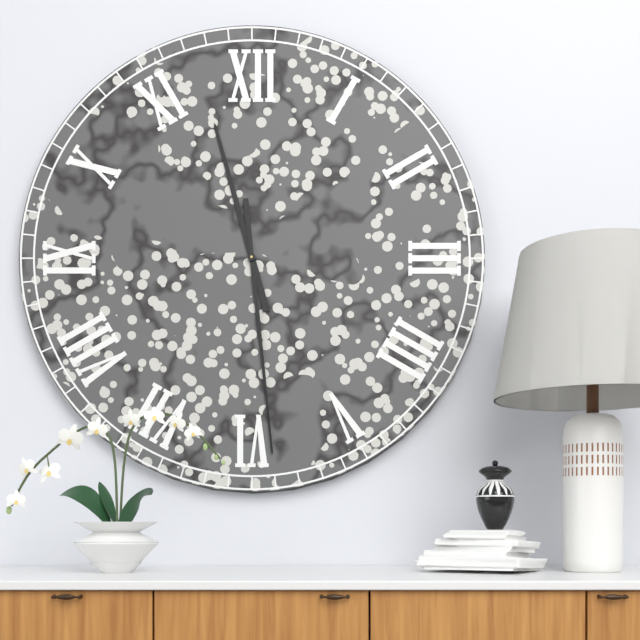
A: 11:29
